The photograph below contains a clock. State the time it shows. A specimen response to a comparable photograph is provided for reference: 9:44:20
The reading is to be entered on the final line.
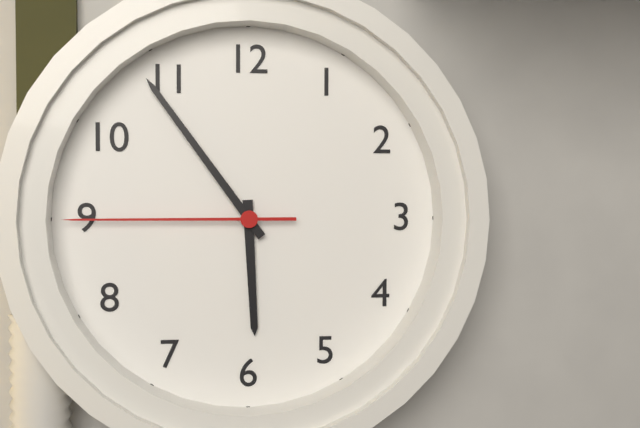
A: 5:54:45
